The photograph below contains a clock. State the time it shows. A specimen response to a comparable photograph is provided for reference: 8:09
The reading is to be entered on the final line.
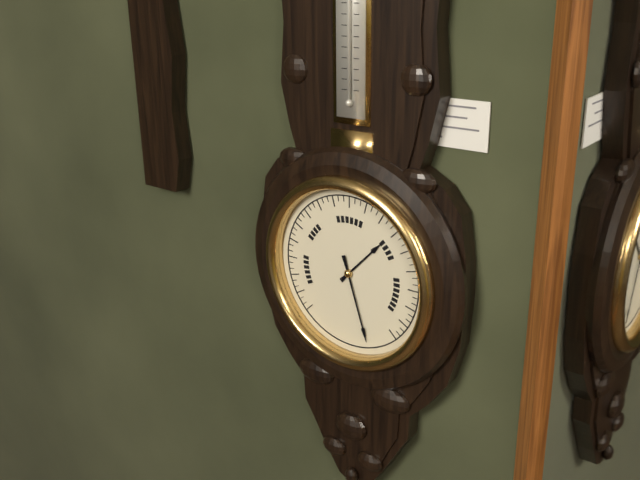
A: 1:27
